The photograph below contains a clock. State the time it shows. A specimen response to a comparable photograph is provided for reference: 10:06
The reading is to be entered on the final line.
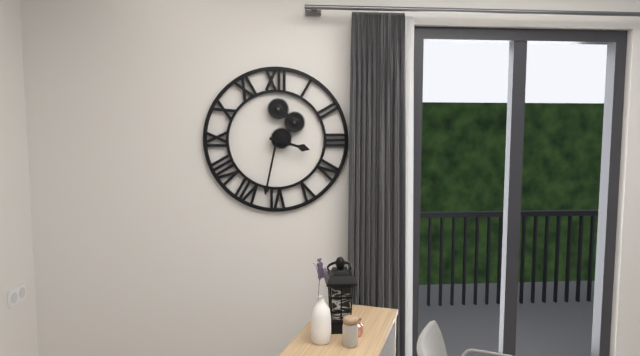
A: 3:32
